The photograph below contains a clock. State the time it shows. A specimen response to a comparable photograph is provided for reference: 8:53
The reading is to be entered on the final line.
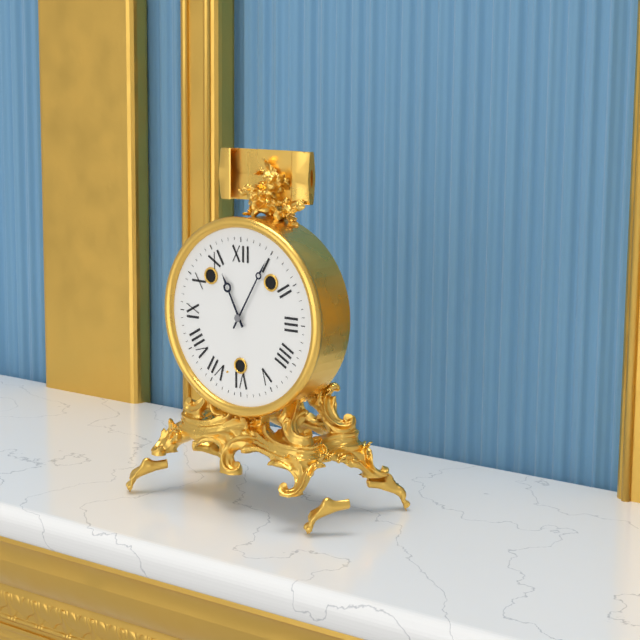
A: 11:05
